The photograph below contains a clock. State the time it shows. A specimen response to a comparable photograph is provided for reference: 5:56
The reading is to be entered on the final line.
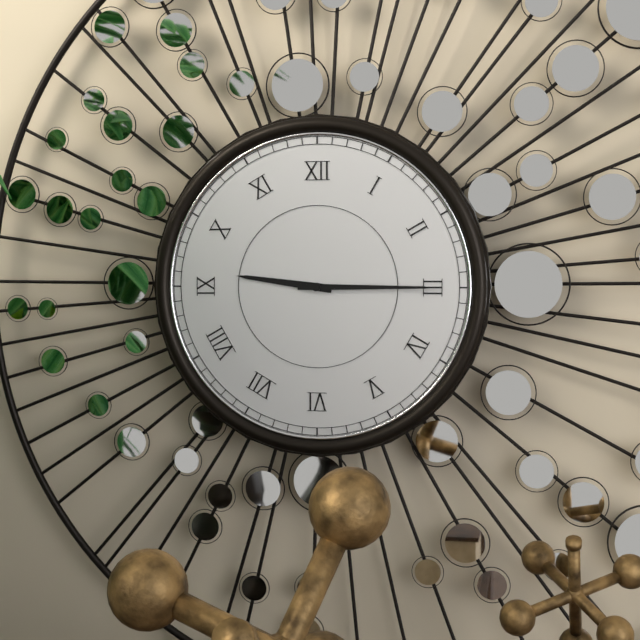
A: 9:15
